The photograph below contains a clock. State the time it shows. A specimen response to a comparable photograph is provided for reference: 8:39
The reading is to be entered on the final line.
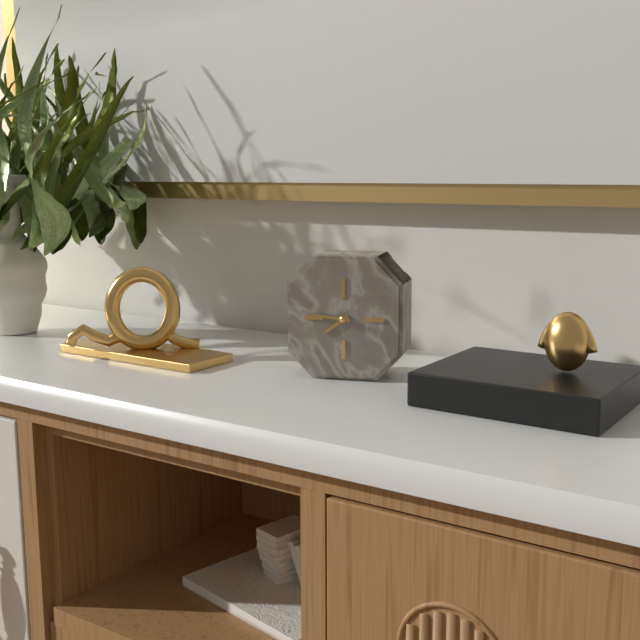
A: 7:46
